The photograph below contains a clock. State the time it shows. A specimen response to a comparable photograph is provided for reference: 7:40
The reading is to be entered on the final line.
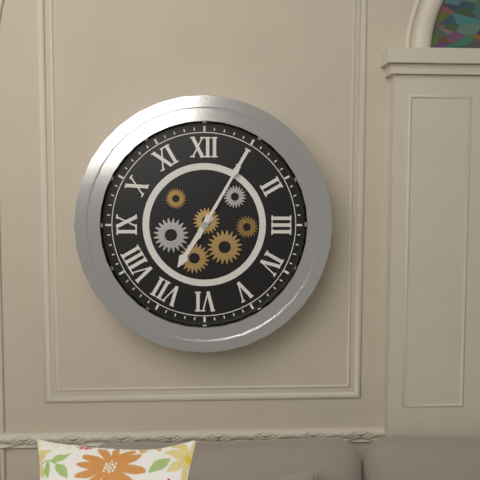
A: 7:05
